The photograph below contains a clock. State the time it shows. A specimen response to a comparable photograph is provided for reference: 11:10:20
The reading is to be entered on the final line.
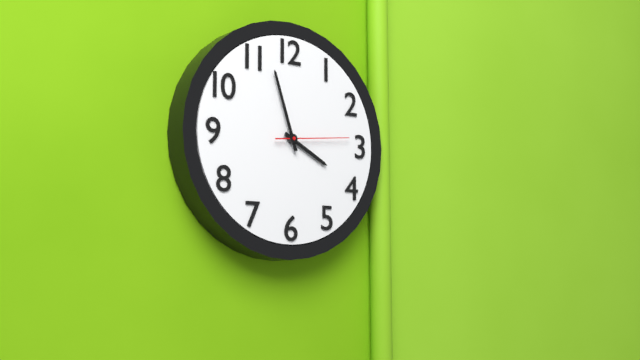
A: 3:57:14
